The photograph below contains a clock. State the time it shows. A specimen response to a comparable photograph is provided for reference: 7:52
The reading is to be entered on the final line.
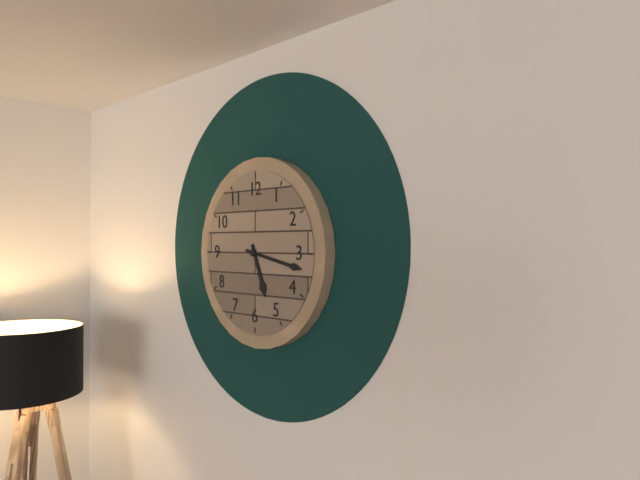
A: 5:17
